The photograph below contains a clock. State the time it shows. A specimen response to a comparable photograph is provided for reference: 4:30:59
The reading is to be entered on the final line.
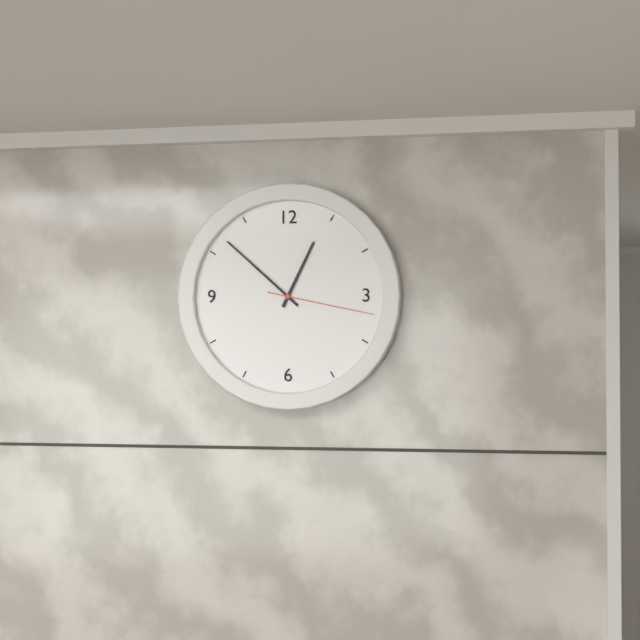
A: 12:52:17
